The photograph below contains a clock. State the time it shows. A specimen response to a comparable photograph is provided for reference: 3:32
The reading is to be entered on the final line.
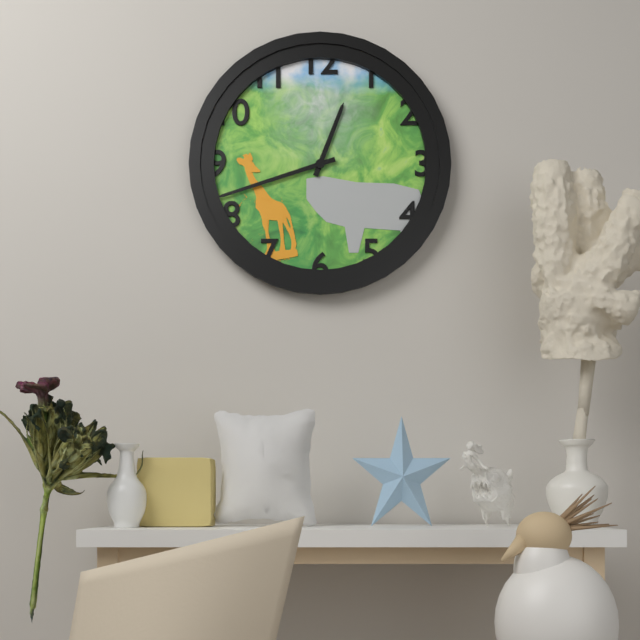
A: 12:42
